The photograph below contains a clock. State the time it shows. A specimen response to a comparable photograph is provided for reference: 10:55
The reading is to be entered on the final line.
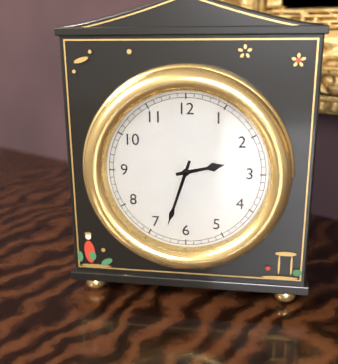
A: 2:33
